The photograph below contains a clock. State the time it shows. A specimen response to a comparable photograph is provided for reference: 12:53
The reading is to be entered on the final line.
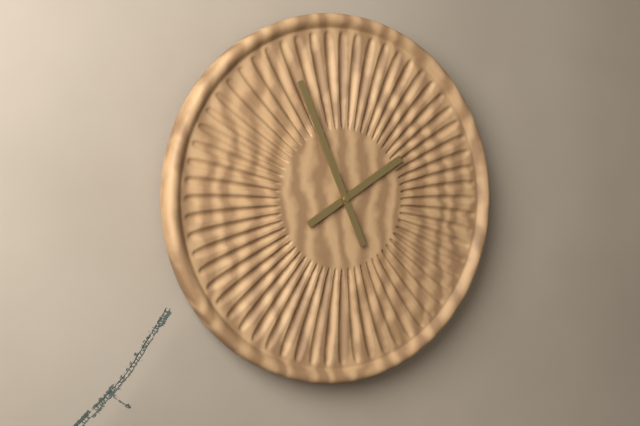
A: 1:56
